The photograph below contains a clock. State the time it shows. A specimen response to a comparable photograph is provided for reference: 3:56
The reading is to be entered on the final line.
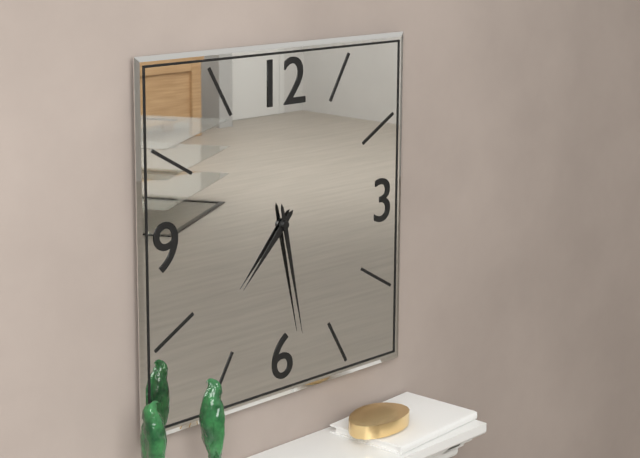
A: 7:28
